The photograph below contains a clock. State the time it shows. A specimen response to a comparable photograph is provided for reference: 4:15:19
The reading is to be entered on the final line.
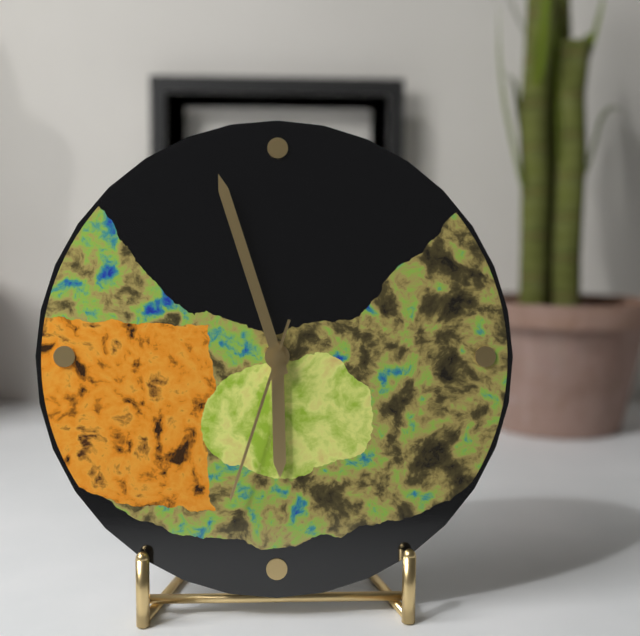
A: 5:57:33
